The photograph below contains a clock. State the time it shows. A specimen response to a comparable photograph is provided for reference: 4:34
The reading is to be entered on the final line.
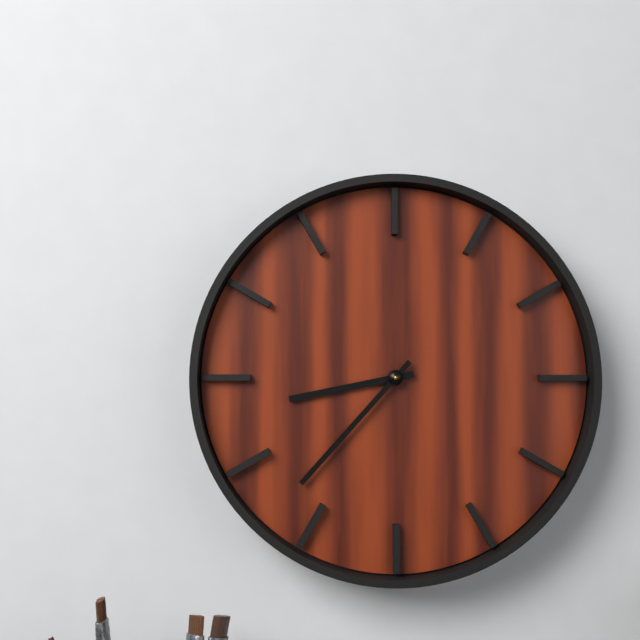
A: 8:37
